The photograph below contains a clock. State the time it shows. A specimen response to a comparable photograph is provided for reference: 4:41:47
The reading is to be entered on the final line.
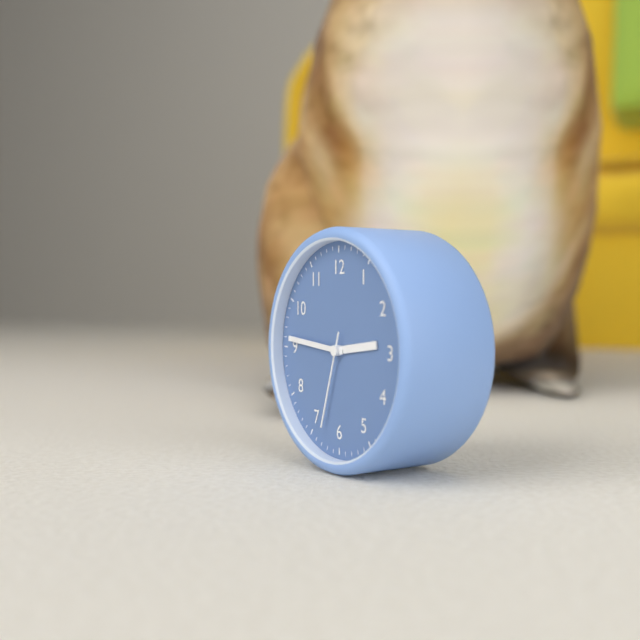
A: 2:46:33
